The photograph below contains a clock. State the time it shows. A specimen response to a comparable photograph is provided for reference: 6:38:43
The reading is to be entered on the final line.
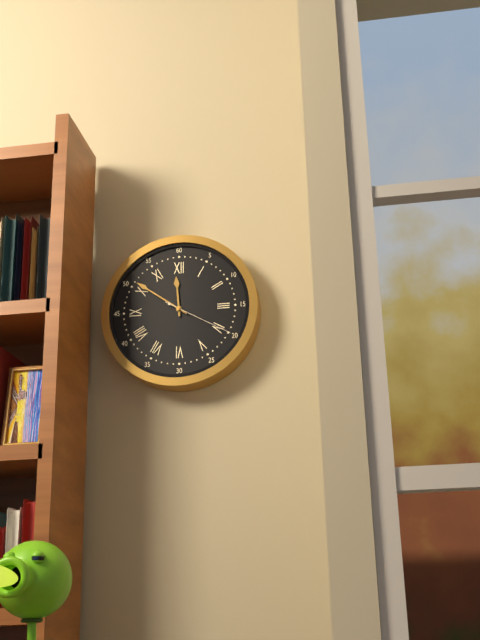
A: 11:51:20
